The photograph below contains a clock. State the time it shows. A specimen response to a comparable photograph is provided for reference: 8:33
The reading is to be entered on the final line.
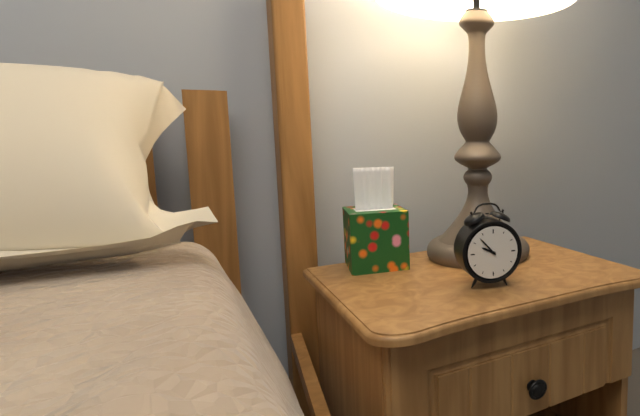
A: 9:53
